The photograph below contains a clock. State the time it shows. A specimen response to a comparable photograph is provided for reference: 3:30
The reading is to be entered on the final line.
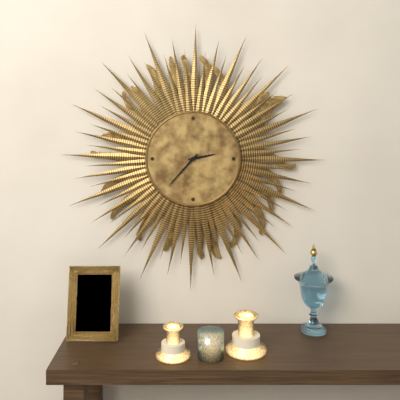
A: 2:37
